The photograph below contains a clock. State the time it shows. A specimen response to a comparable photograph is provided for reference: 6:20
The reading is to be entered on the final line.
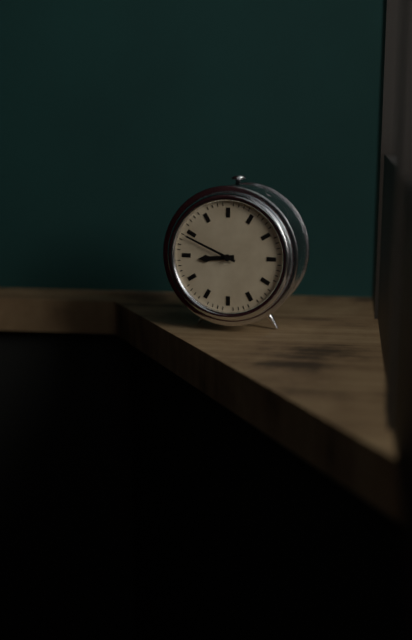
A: 8:49
